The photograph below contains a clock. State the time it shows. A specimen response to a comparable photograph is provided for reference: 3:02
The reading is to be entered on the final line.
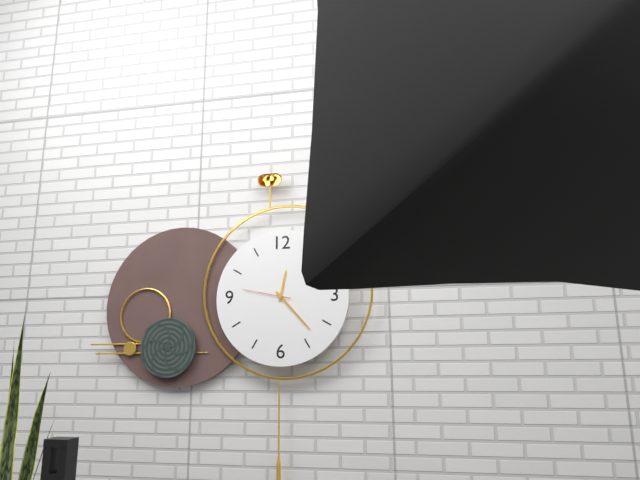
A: 12:23
